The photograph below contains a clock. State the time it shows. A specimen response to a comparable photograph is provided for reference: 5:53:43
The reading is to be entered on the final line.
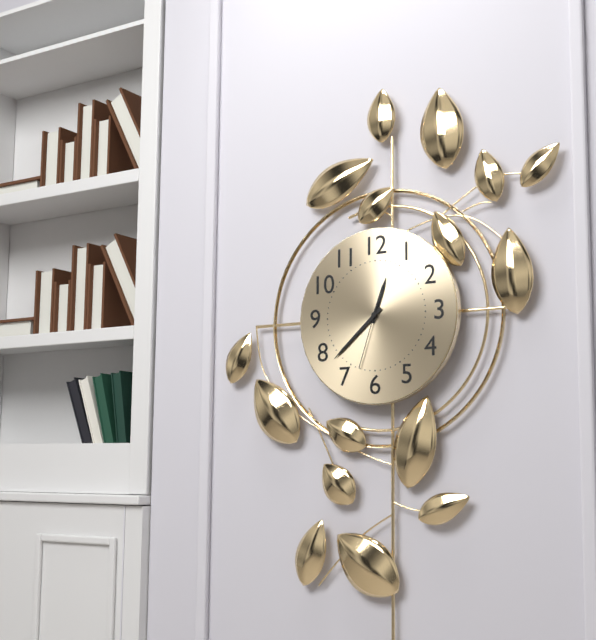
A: 12:38:33
